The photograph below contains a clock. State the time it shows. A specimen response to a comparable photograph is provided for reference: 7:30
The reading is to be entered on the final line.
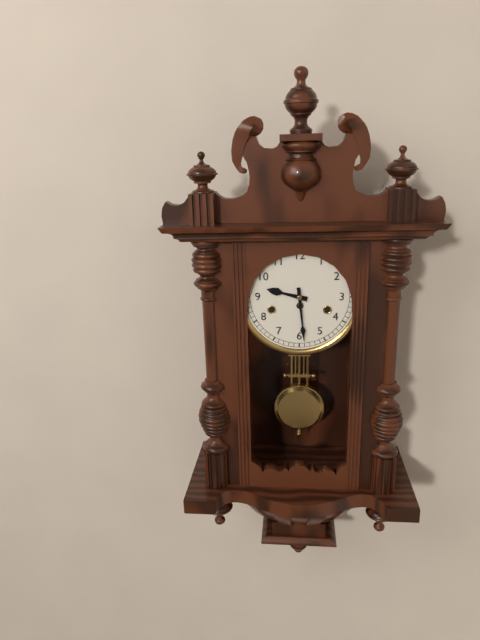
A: 9:29
